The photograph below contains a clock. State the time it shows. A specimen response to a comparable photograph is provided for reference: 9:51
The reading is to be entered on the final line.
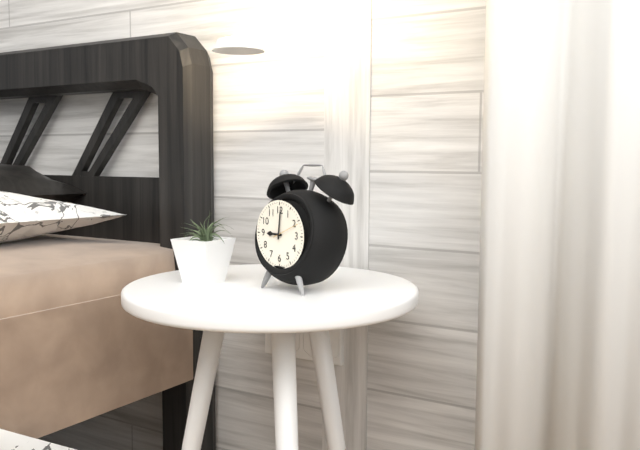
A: 9:01
